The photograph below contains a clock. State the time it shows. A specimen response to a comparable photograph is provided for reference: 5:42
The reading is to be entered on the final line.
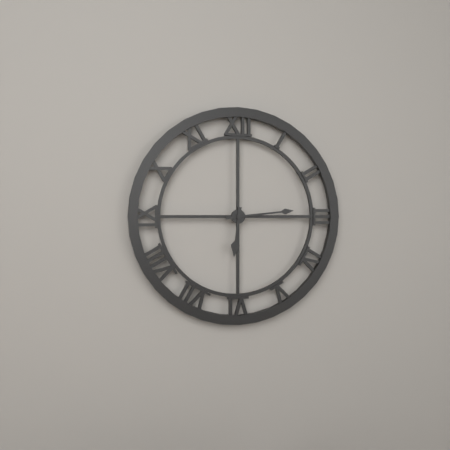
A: 6:14
